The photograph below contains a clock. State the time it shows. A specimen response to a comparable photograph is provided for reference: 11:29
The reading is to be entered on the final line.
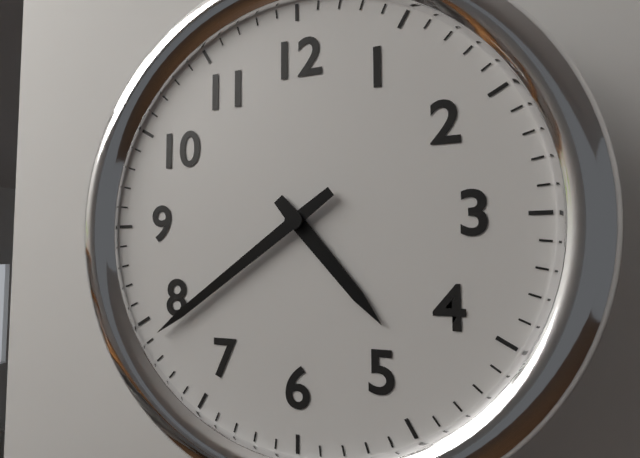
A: 4:39
